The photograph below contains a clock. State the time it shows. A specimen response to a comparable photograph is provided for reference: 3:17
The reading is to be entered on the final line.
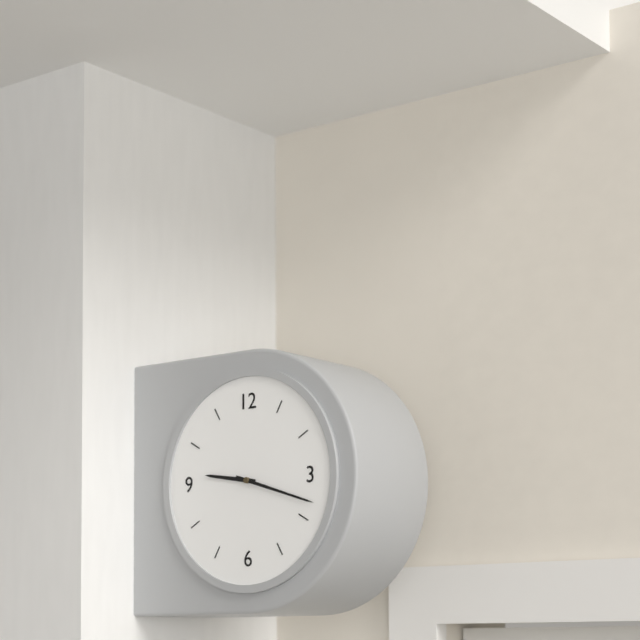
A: 9:18
